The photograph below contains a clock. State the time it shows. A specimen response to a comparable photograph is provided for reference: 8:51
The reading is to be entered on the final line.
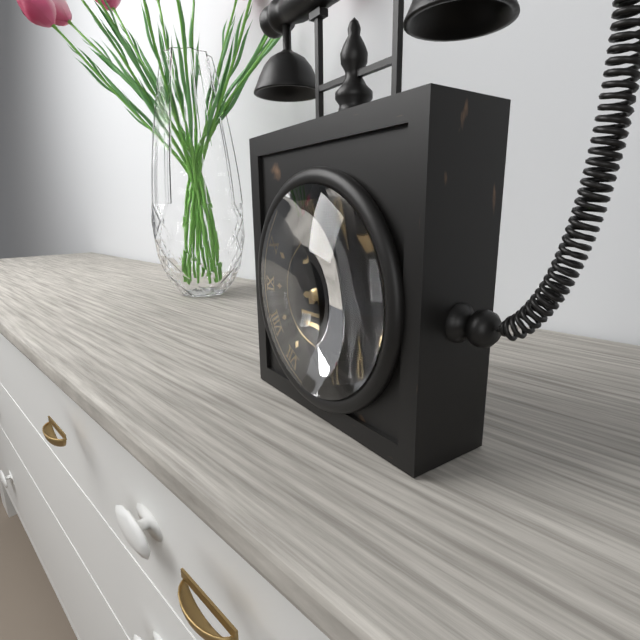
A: 1:14
